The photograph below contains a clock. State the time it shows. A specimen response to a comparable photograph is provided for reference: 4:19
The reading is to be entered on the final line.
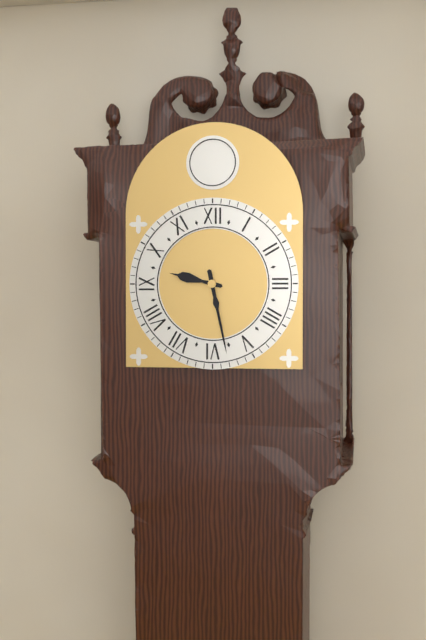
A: 9:28
